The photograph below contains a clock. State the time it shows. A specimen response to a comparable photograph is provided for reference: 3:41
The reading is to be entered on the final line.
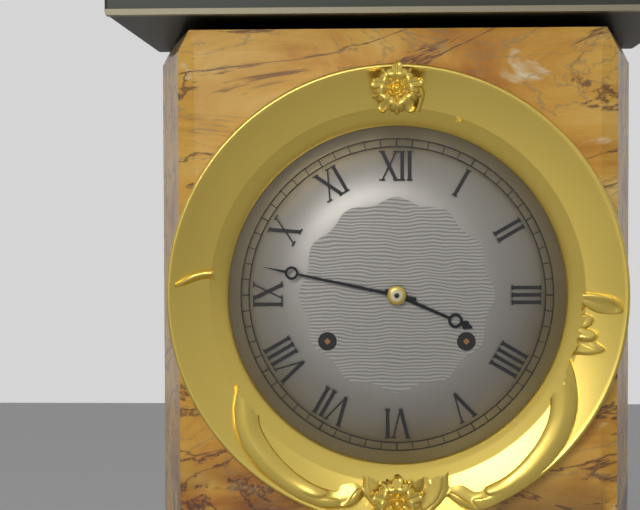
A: 3:47
